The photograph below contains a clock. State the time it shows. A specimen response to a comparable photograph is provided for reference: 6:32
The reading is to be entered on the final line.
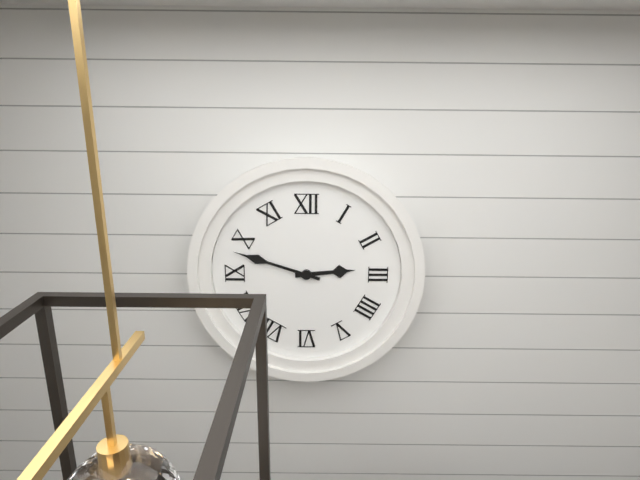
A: 2:48
